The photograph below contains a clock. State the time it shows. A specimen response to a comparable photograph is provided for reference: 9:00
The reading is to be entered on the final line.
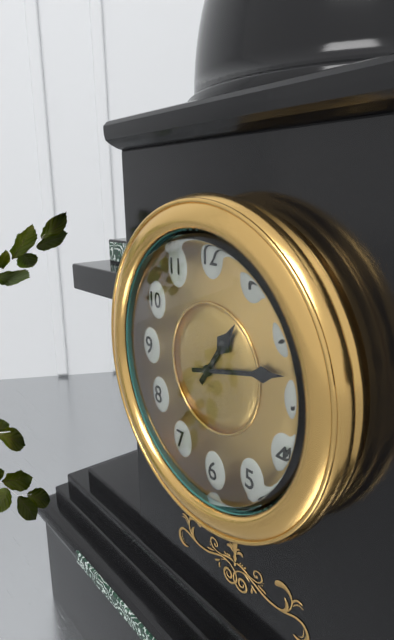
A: 1:13
